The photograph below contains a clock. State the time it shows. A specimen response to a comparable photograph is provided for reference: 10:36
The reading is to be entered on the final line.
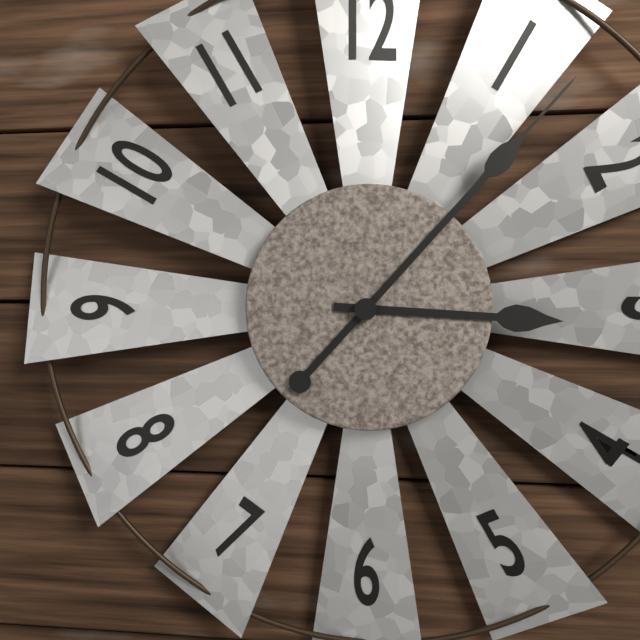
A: 3:07
